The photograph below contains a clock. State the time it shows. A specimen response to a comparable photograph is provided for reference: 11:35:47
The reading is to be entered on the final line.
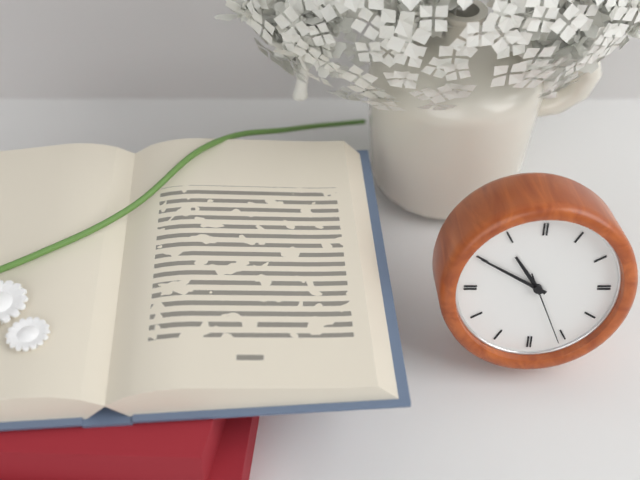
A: 10:50:26
